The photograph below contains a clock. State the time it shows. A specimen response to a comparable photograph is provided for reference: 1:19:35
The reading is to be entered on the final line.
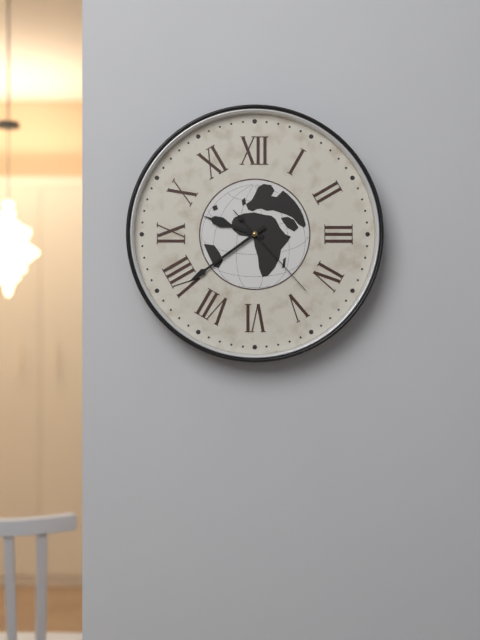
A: 9:39:23
